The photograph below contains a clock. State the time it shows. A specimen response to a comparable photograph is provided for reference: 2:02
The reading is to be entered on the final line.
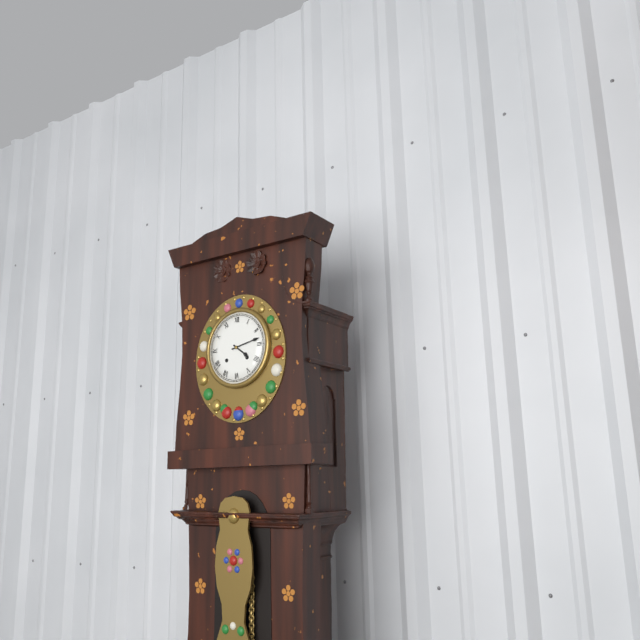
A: 4:13
